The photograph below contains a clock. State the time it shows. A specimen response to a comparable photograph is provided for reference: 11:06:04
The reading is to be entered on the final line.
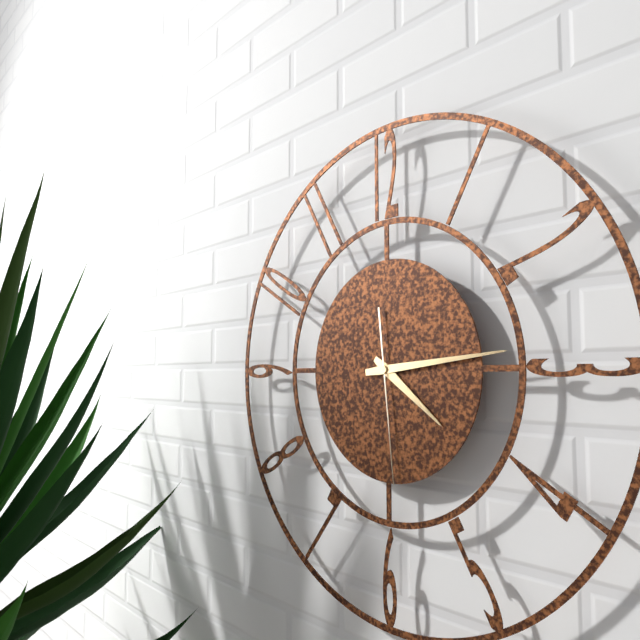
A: 4:14:29
